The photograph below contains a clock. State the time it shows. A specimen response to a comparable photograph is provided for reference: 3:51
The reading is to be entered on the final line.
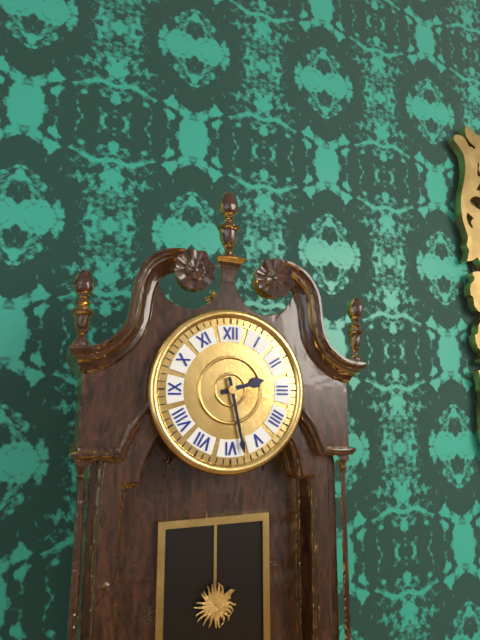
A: 2:28
